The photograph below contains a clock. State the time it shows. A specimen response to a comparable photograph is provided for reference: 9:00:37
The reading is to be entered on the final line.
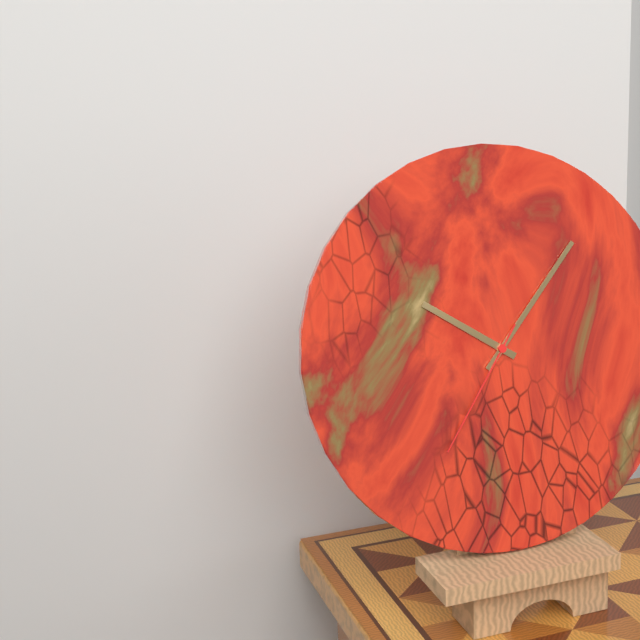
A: 10:07:36
